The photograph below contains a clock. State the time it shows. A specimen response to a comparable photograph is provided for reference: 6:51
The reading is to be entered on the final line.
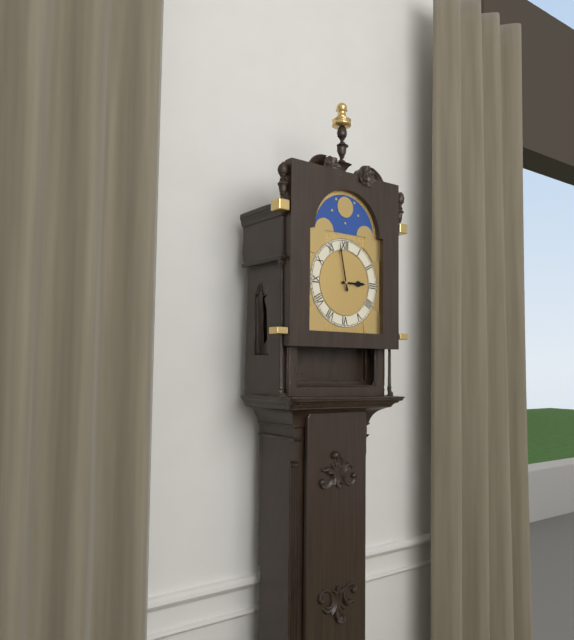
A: 2:58
